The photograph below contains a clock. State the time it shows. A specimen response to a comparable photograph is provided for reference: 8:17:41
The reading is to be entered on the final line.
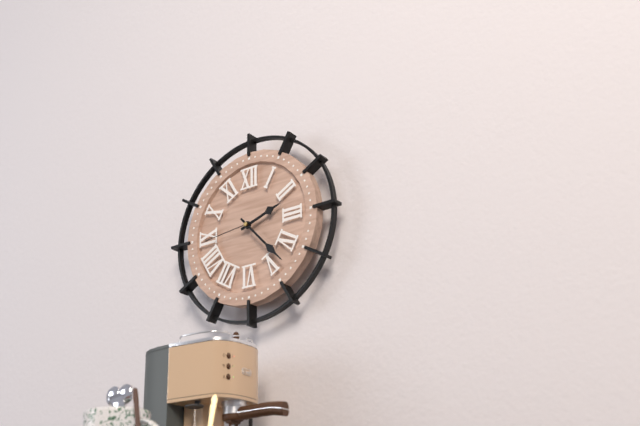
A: 2:23:44
